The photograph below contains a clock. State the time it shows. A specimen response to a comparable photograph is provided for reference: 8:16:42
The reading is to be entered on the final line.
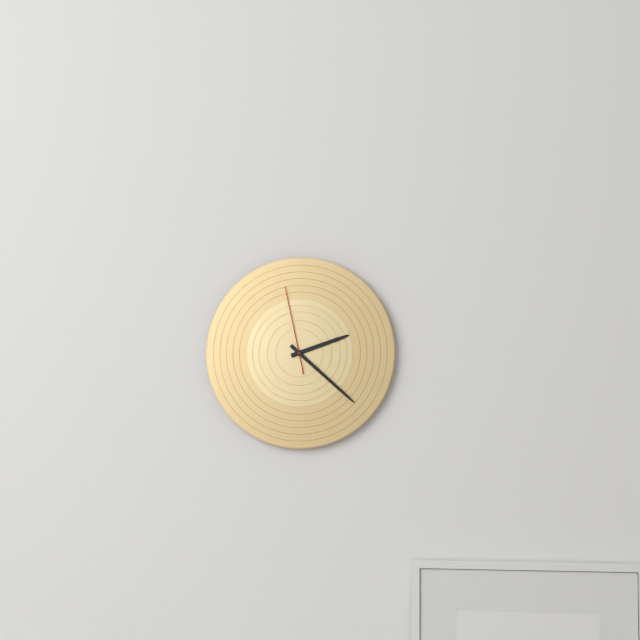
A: 2:22:58
